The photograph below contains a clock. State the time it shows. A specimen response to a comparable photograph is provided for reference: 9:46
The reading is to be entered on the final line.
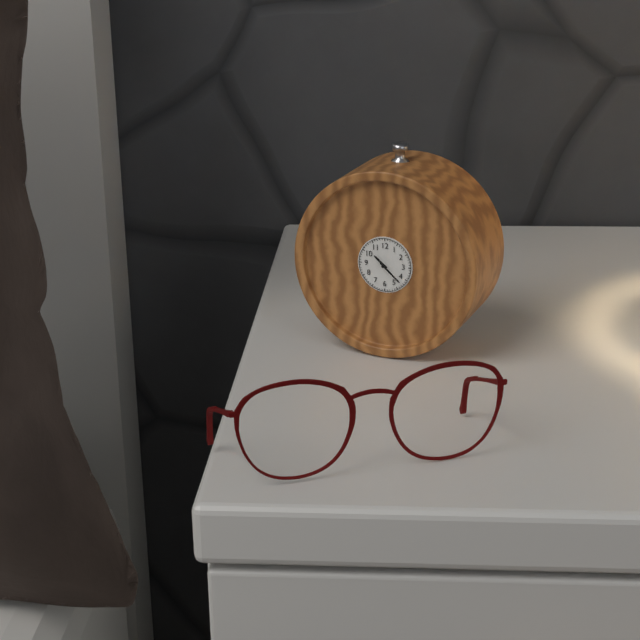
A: 10:22
